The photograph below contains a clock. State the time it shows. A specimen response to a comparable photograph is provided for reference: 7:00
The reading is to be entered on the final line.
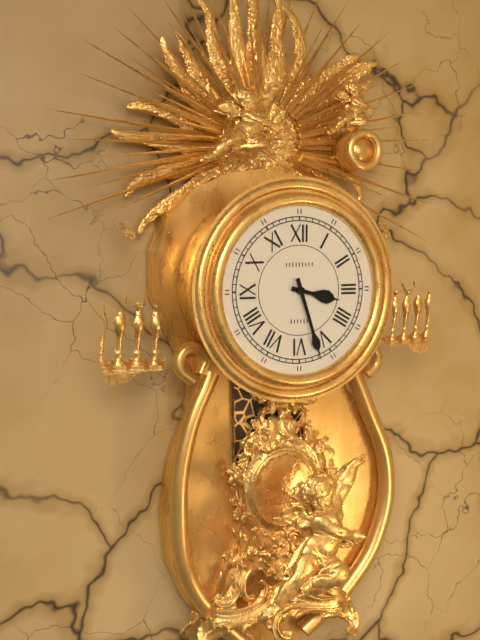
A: 3:27
